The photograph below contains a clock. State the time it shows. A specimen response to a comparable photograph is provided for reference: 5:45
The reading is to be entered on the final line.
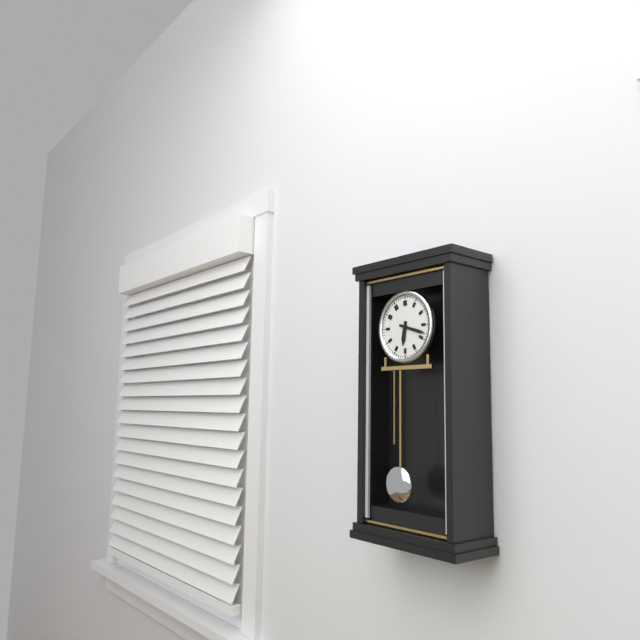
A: 6:18
